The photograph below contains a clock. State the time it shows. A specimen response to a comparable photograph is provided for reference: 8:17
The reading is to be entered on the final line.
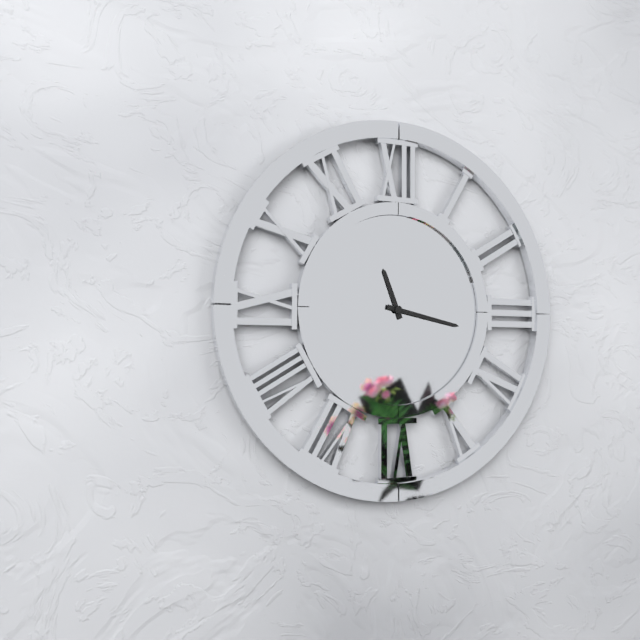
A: 11:17
